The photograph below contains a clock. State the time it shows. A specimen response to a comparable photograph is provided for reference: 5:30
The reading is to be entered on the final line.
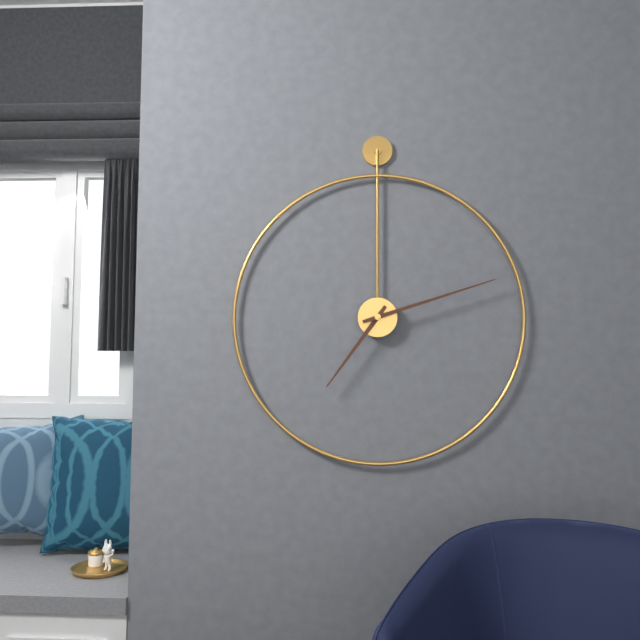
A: 7:12
